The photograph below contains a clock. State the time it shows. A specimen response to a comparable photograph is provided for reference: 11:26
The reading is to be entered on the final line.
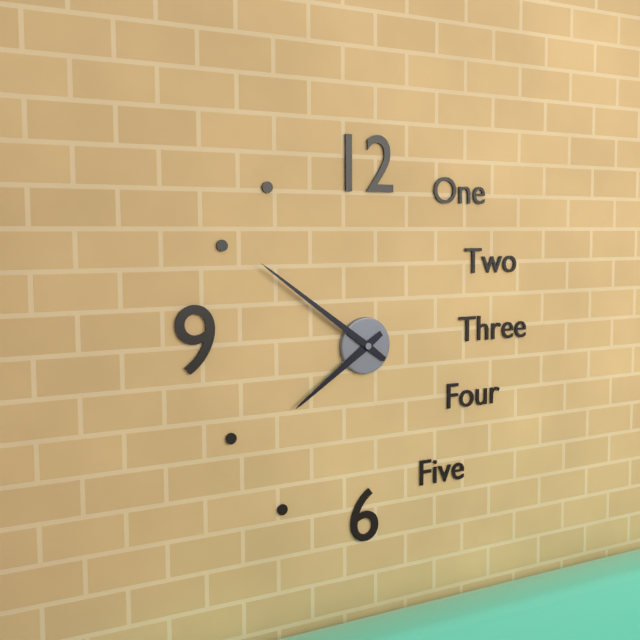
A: 7:51
